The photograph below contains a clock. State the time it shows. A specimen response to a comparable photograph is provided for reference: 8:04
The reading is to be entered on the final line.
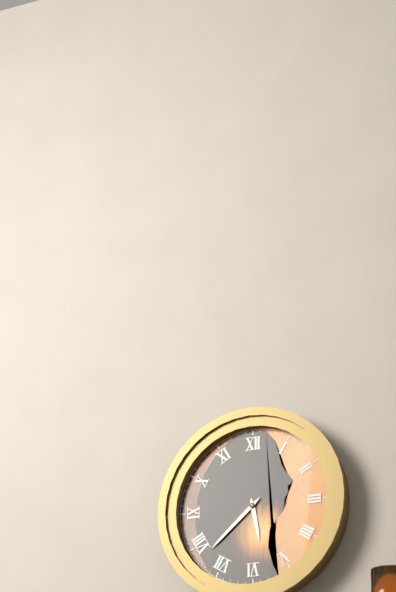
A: 5:38
